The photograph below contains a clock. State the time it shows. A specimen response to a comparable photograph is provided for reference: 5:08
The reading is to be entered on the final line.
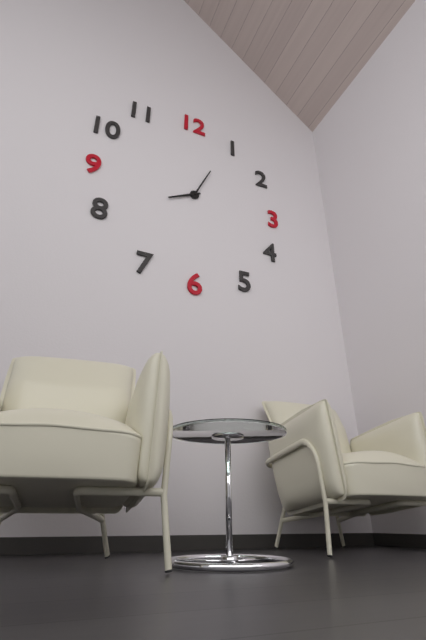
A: 8:04
